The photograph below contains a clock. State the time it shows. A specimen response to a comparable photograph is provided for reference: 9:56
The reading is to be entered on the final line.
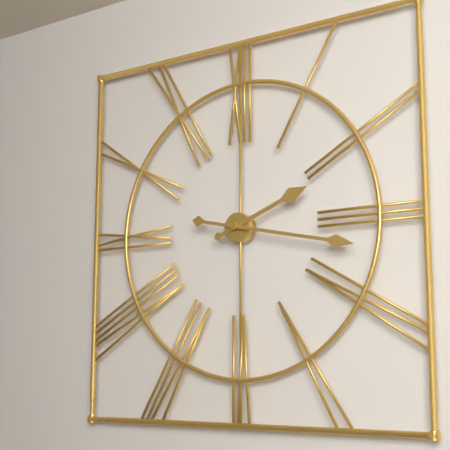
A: 2:17
